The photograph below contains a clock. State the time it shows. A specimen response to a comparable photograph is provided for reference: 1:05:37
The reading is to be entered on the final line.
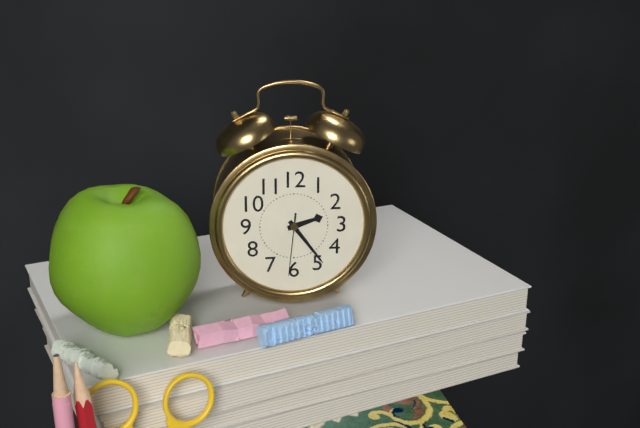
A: 2:24:31
